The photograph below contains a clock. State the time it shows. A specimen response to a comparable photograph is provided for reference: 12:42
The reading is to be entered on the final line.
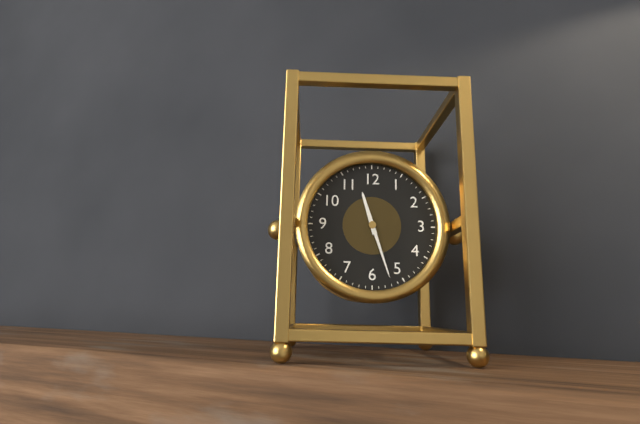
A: 11:27
